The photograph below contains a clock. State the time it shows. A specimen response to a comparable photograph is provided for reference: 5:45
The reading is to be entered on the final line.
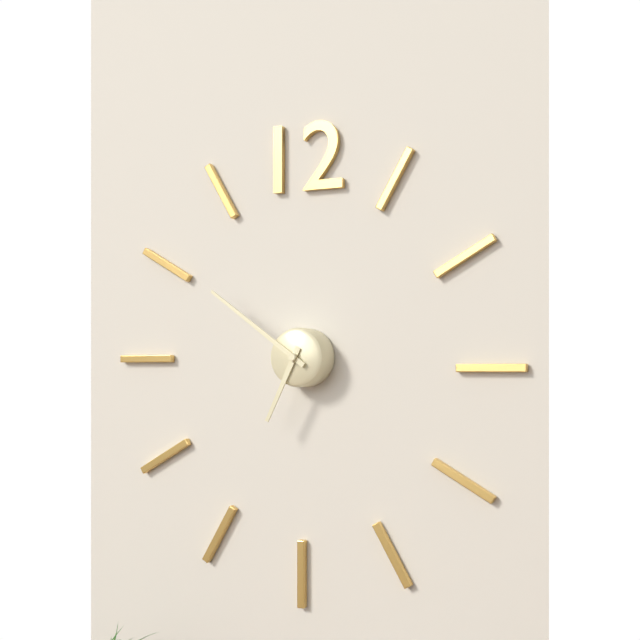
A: 6:51
